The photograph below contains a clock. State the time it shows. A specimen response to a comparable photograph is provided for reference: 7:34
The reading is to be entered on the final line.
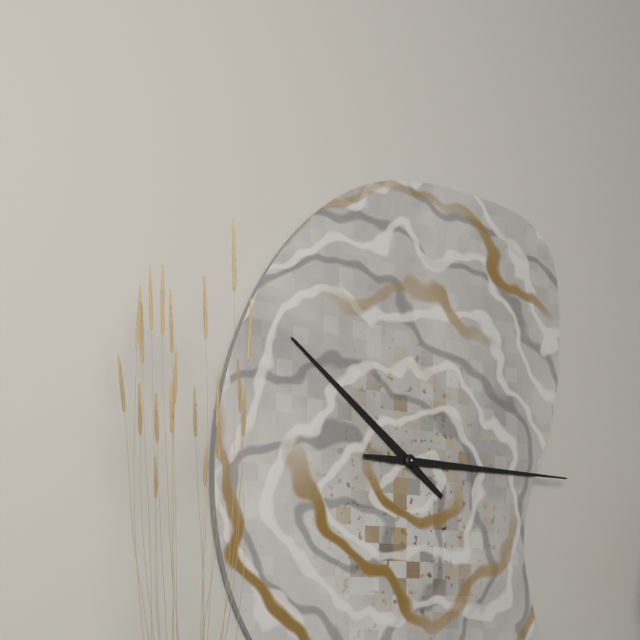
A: 10:15
